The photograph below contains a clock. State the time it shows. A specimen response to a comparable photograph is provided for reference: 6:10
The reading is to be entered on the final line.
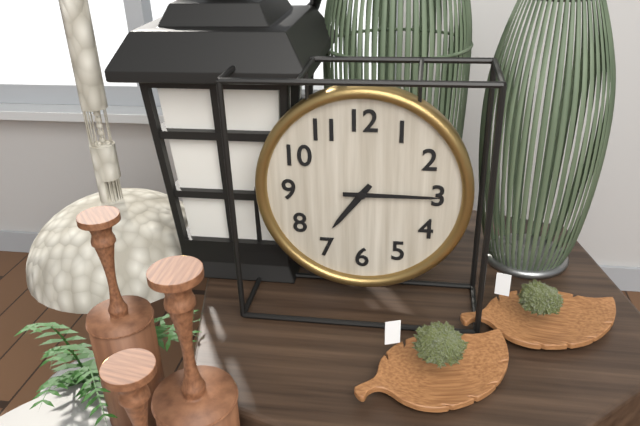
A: 7:15
